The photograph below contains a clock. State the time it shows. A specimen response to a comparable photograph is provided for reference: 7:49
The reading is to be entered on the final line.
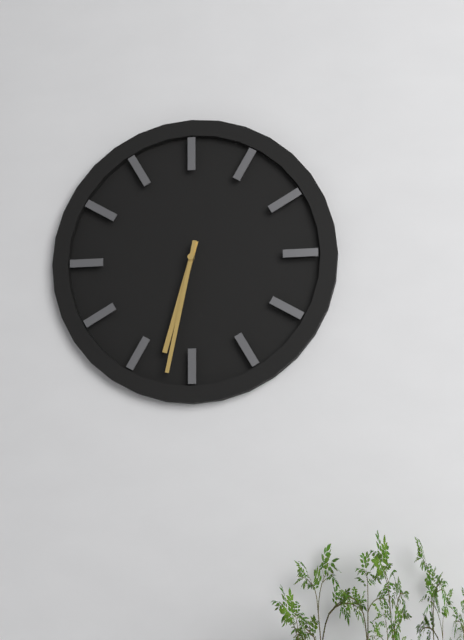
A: 6:32
